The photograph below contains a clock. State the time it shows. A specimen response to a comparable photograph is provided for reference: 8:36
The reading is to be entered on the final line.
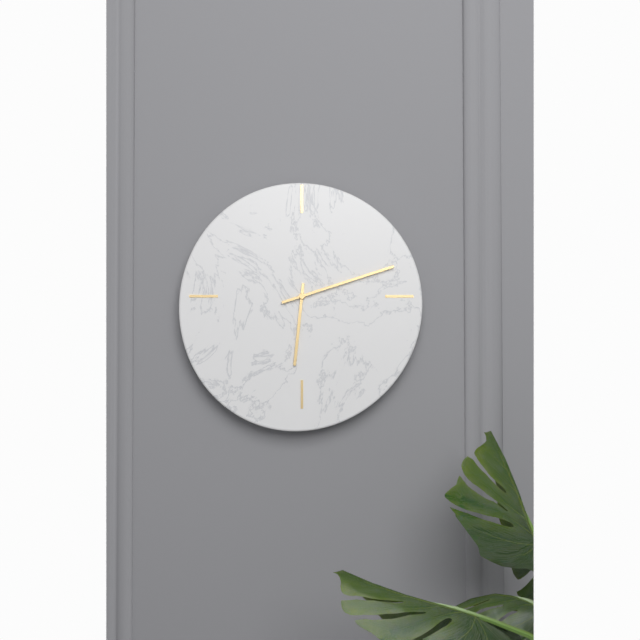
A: 6:12
